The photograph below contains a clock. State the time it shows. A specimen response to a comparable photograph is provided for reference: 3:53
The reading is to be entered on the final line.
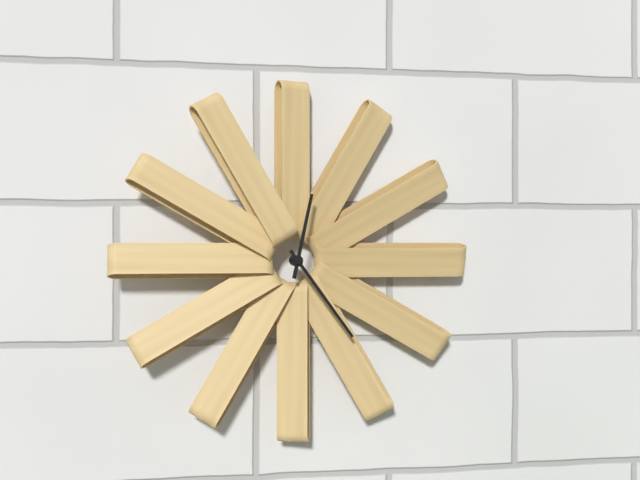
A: 12:24
